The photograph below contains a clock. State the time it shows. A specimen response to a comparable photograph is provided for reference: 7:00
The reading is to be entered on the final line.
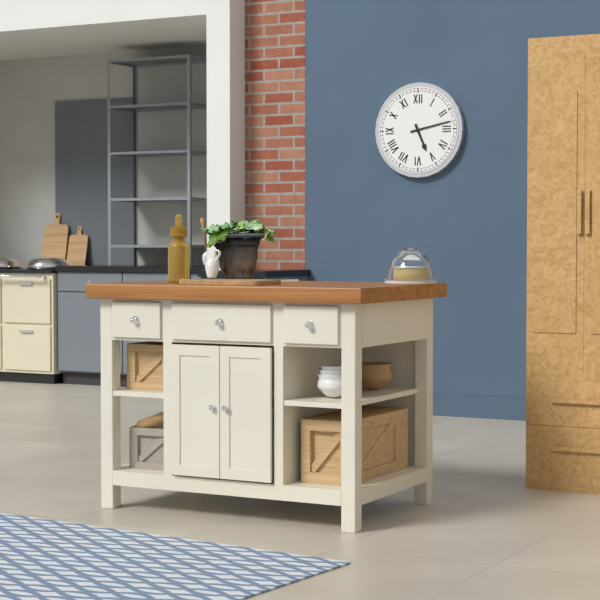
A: 5:13
